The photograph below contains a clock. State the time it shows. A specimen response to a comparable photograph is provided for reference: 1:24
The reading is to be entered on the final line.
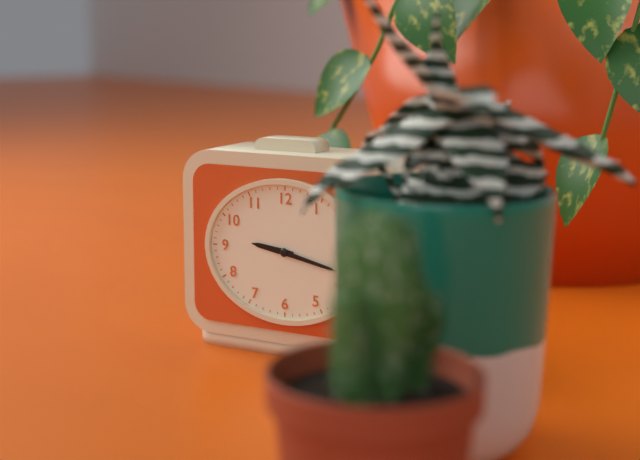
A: 9:17
